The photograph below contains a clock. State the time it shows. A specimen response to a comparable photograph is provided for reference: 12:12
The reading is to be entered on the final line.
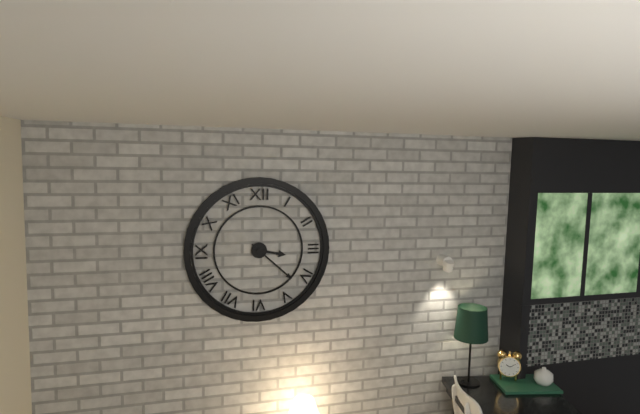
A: 3:22
